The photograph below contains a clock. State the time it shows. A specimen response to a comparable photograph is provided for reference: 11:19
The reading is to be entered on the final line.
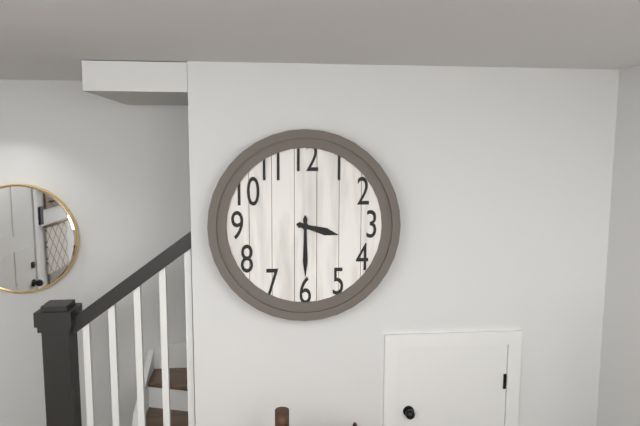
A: 3:30
